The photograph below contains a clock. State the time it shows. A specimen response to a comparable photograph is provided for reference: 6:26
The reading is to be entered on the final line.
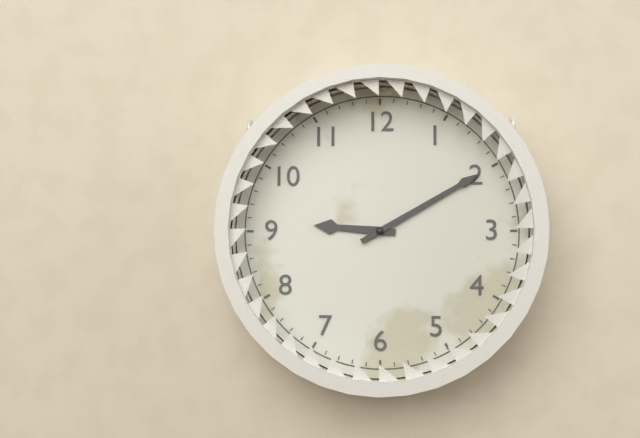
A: 9:10
